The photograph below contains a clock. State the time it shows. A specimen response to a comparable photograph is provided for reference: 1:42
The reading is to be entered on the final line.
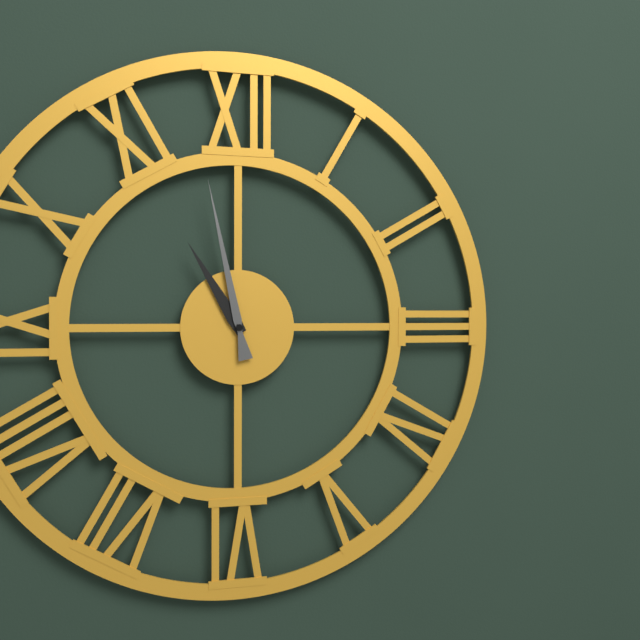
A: 10:58
